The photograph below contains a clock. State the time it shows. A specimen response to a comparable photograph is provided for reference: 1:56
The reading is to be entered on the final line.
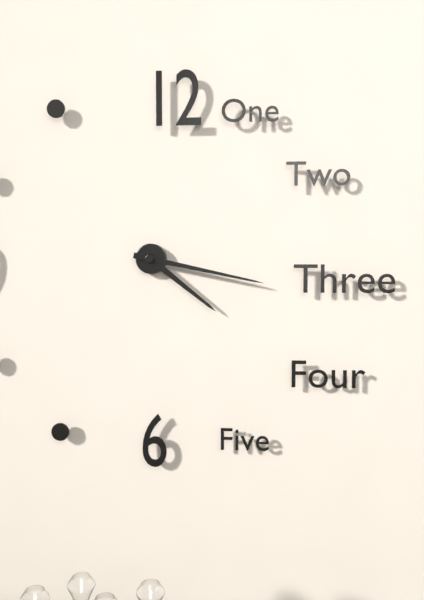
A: 4:17
